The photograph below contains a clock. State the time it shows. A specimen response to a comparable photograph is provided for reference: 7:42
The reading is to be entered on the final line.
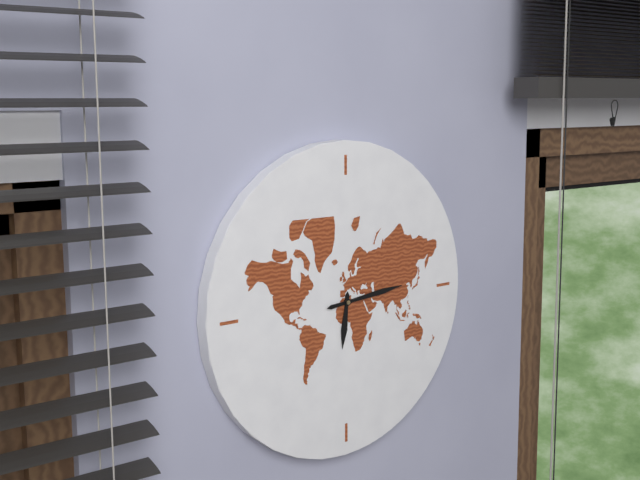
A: 6:14
